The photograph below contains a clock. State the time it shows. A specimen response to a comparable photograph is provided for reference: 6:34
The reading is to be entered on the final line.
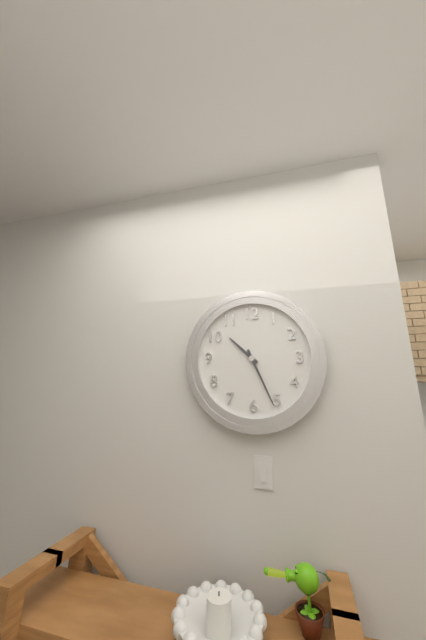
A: 10:26
